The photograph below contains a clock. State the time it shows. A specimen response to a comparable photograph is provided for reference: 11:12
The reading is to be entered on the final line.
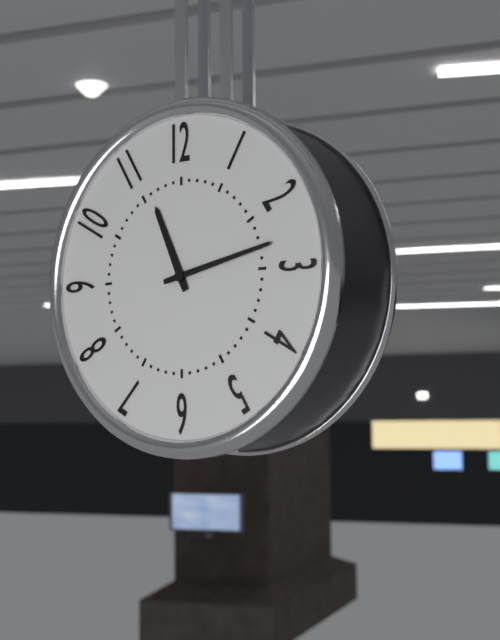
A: 11:13
